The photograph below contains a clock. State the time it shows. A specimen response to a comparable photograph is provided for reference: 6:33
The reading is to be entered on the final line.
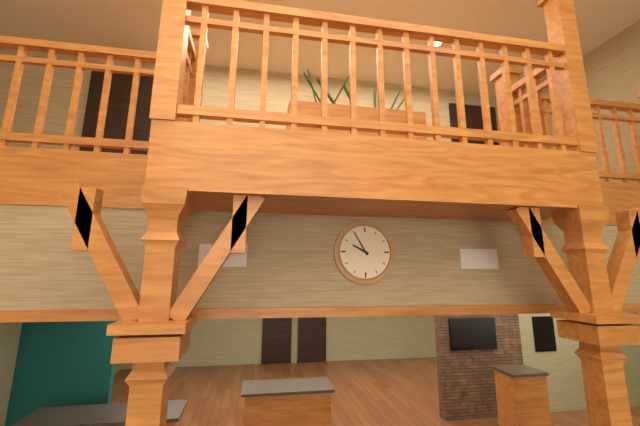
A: 9:55
